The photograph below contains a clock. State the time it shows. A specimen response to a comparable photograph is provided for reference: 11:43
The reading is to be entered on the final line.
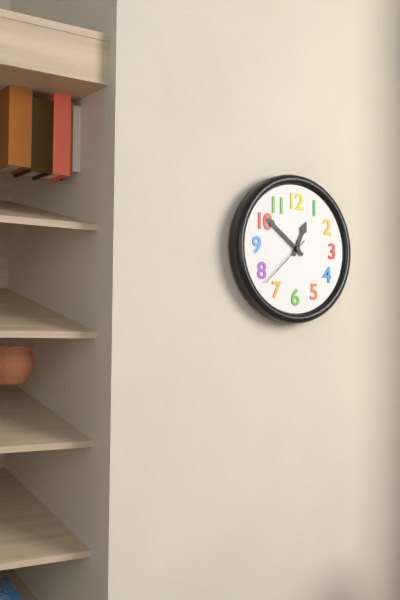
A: 12:51
